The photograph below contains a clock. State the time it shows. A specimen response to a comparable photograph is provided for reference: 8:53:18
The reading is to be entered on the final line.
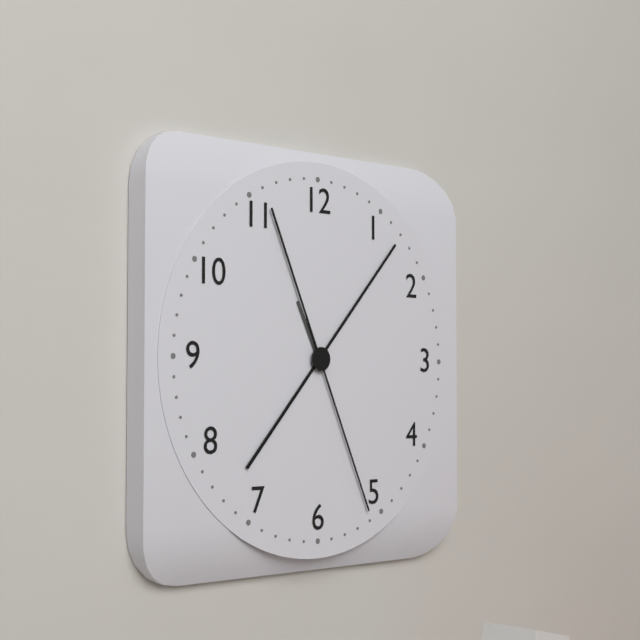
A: 11:07:26
